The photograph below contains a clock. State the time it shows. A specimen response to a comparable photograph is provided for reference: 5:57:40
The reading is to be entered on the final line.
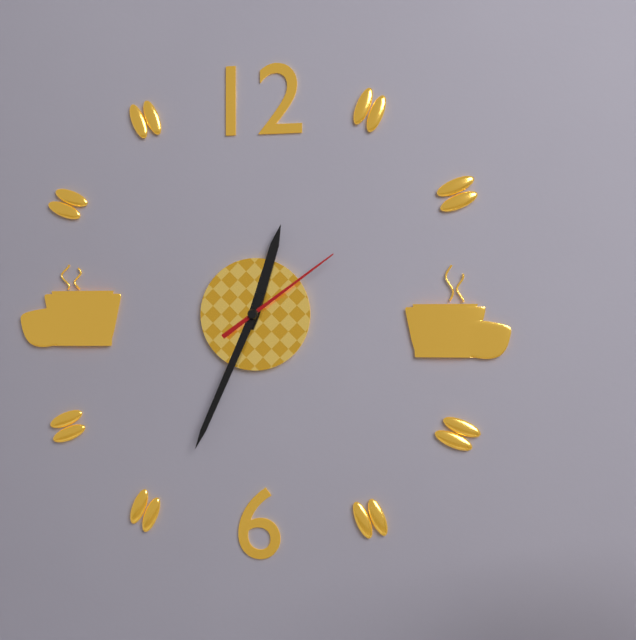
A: 12:34:09
